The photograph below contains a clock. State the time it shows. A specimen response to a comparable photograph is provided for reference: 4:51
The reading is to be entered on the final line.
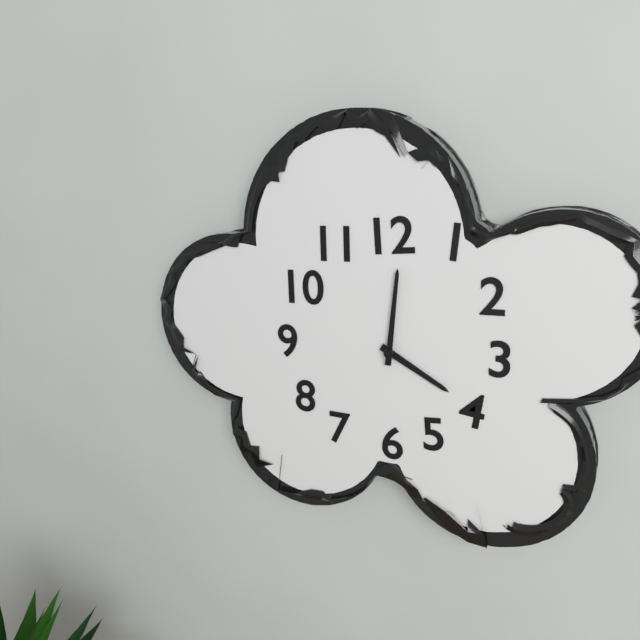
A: 4:01
